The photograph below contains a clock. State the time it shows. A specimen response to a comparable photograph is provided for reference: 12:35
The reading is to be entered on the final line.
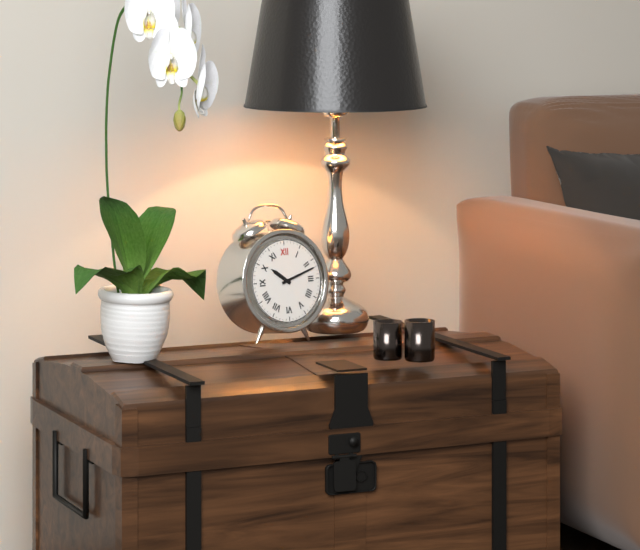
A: 10:12
